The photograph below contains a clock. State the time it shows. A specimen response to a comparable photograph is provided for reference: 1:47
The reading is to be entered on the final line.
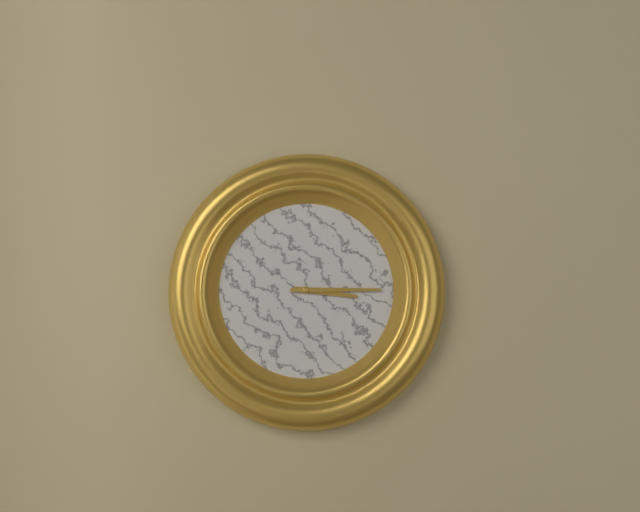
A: 3:15
